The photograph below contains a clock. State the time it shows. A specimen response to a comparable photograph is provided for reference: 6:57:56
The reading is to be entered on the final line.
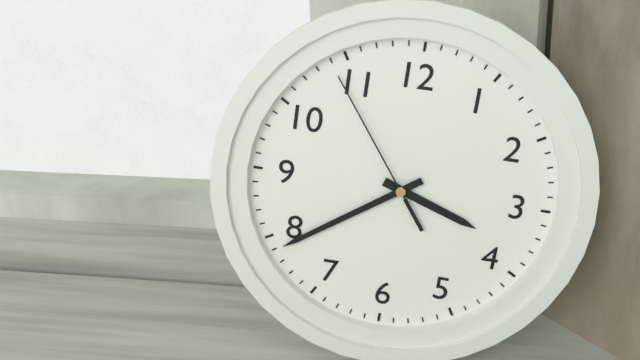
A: 3:39:54
